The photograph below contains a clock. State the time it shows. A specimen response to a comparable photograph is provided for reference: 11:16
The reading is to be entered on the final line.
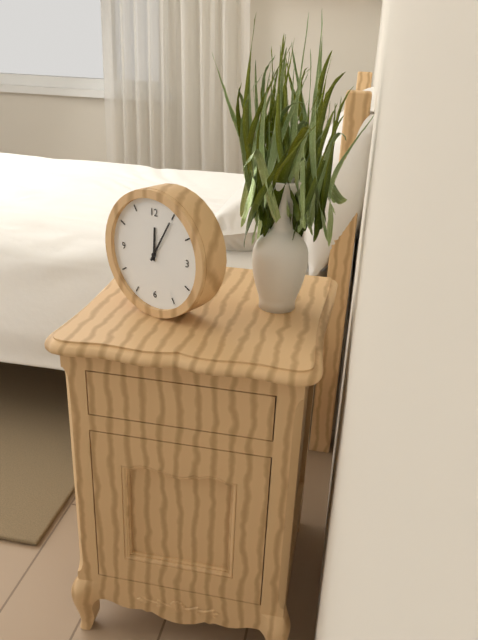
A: 12:05
